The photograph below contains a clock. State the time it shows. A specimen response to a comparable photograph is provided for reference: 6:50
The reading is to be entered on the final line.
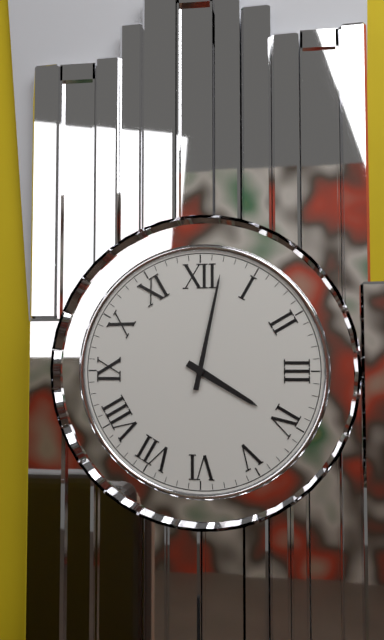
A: 4:02
